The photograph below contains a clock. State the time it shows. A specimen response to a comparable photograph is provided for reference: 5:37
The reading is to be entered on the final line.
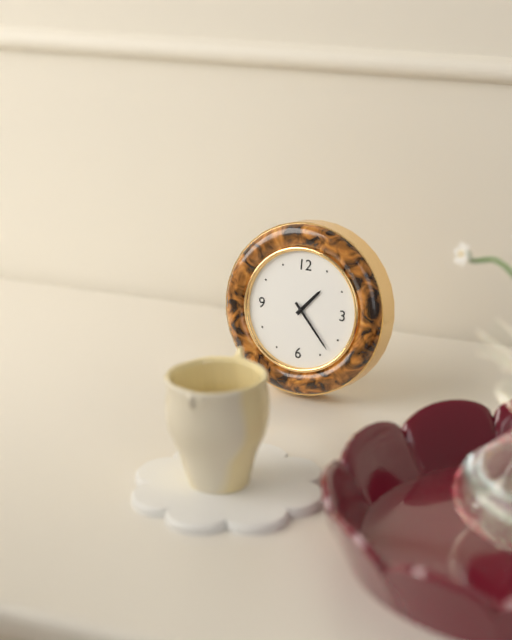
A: 1:23
